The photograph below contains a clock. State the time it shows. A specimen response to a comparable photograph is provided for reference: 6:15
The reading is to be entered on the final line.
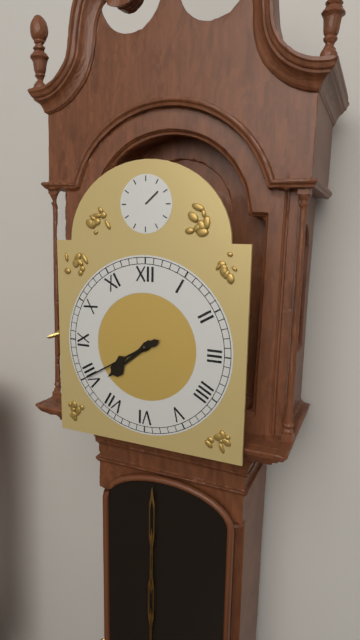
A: 7:40
